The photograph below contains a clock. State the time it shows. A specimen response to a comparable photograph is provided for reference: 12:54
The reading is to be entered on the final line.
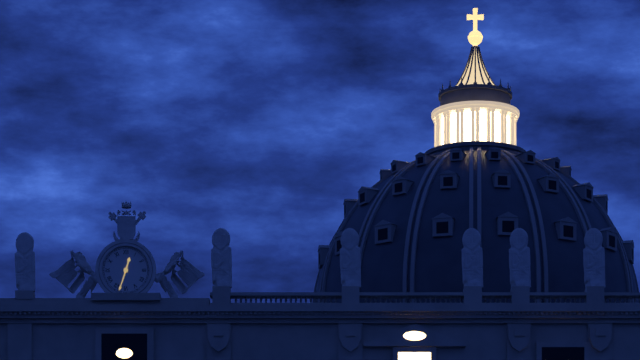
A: 12:33
